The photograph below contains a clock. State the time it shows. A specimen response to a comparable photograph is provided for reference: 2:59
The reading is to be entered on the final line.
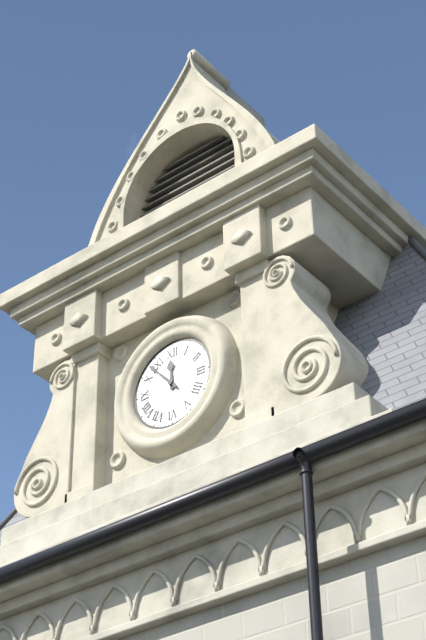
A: 11:53
